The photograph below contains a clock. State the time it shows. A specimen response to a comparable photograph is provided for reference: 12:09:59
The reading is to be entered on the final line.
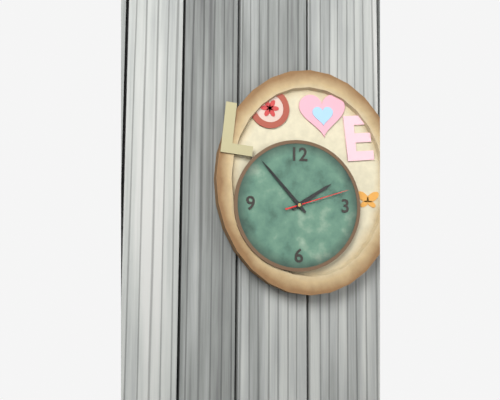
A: 1:53:12
